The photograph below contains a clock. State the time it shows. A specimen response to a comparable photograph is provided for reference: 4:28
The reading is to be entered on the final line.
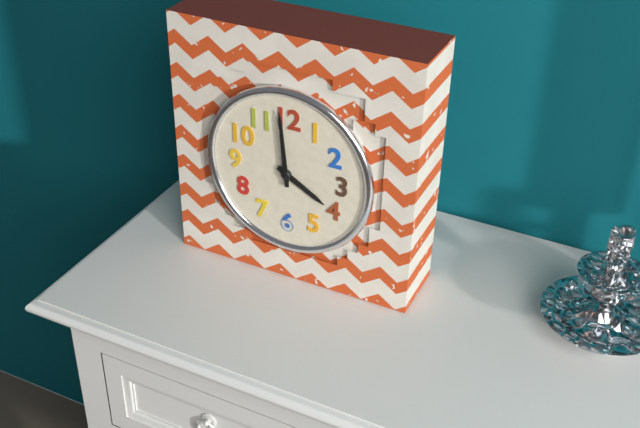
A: 3:59
